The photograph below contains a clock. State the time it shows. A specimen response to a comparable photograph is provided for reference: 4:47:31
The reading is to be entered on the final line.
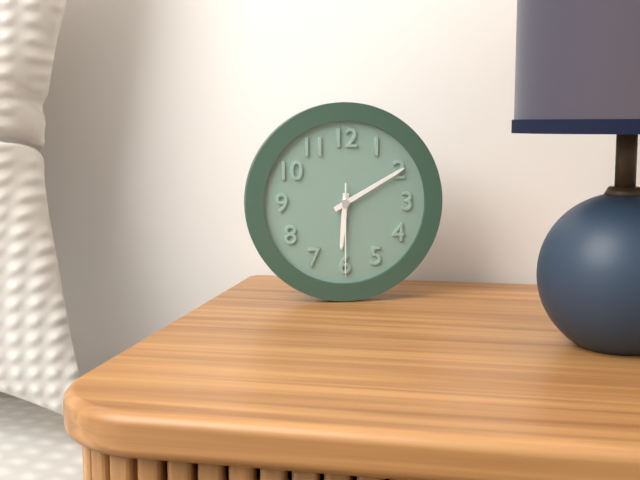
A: 6:10:30
